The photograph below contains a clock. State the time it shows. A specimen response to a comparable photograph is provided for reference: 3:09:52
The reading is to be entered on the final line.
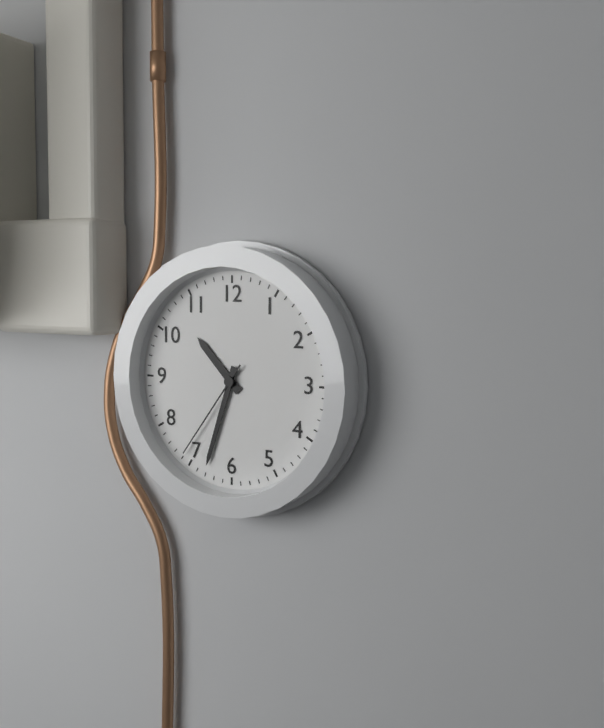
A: 10:33:36
